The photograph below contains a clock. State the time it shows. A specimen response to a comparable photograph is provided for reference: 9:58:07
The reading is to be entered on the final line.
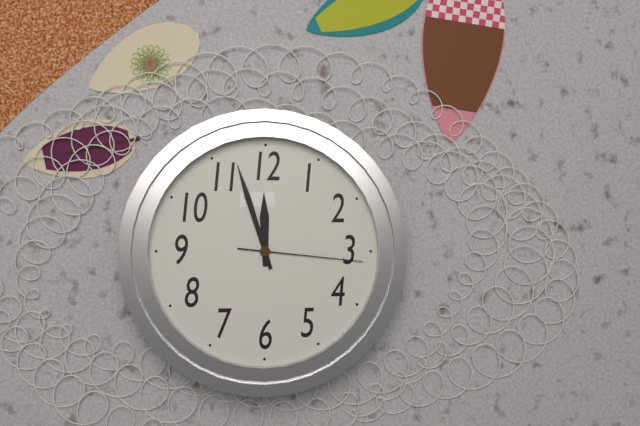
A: 11:57:16
